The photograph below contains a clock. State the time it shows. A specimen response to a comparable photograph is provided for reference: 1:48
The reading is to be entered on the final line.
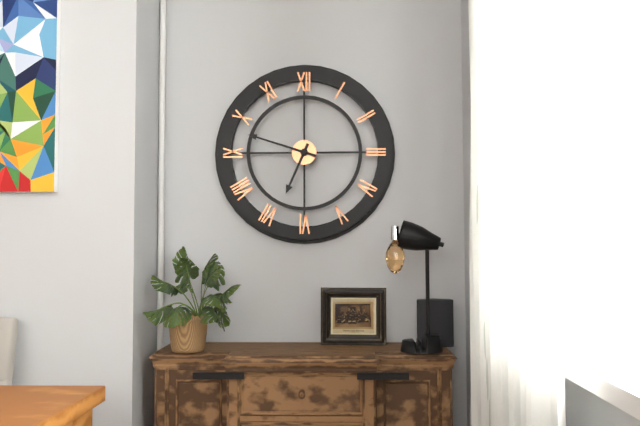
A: 6:48
